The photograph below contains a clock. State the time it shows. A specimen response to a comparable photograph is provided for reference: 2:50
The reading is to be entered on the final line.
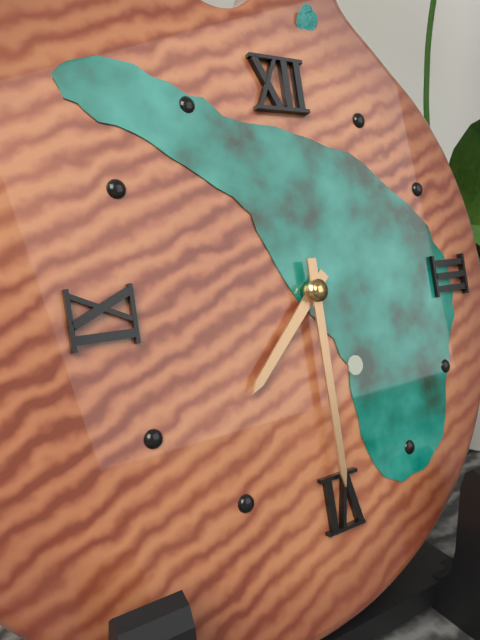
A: 7:30
